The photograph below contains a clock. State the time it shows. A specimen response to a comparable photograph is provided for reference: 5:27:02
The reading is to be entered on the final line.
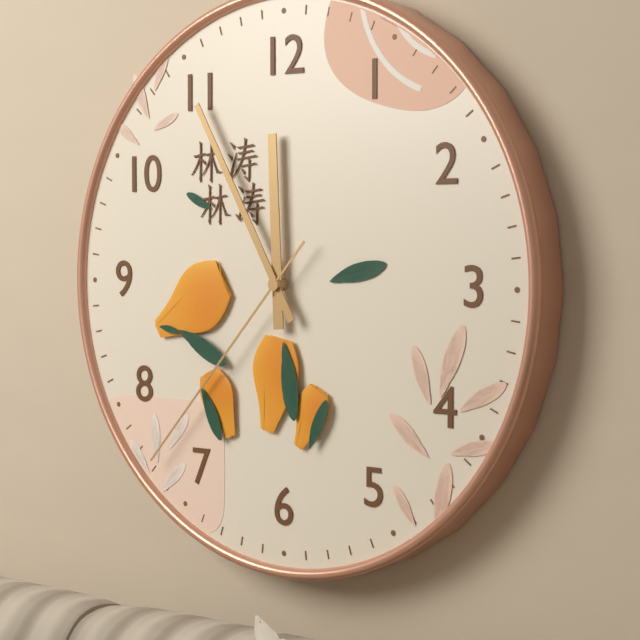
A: 11:55:37
